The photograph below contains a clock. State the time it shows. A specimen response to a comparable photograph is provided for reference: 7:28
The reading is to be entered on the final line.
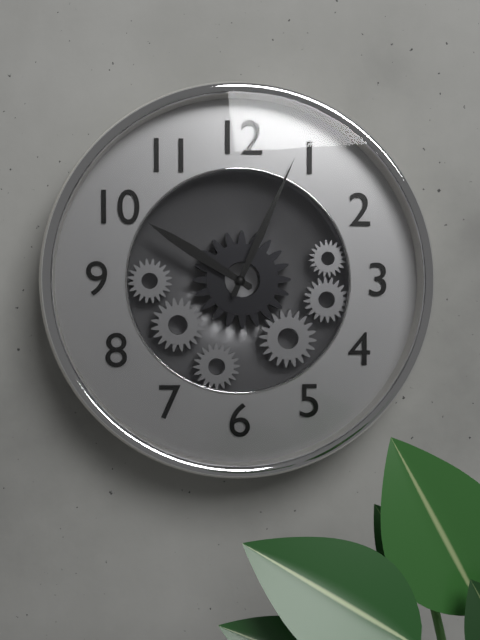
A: 10:04
